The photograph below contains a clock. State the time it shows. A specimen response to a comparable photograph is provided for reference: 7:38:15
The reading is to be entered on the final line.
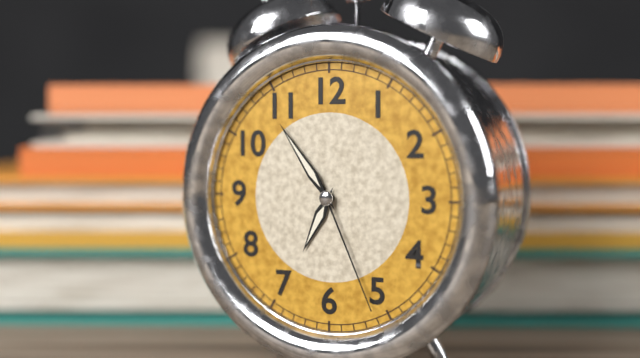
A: 6:54:26
